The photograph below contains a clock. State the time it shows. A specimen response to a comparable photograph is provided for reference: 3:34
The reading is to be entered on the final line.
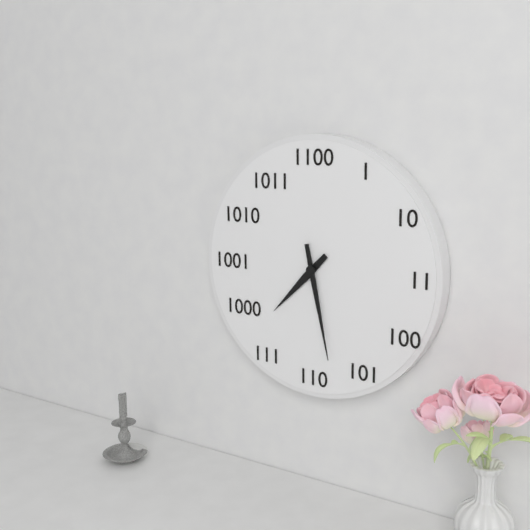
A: 7:28
